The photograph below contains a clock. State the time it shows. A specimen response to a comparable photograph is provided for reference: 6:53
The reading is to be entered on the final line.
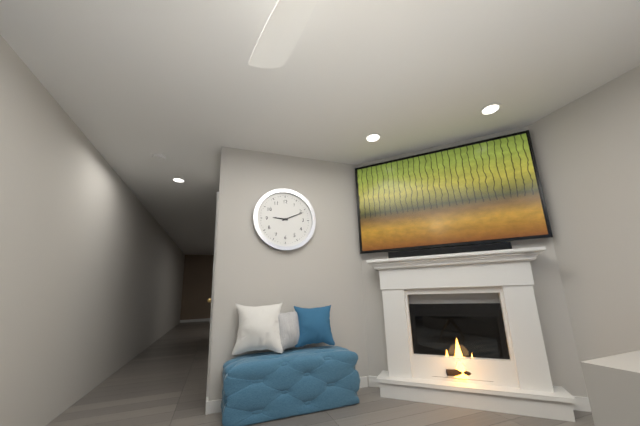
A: 9:11
